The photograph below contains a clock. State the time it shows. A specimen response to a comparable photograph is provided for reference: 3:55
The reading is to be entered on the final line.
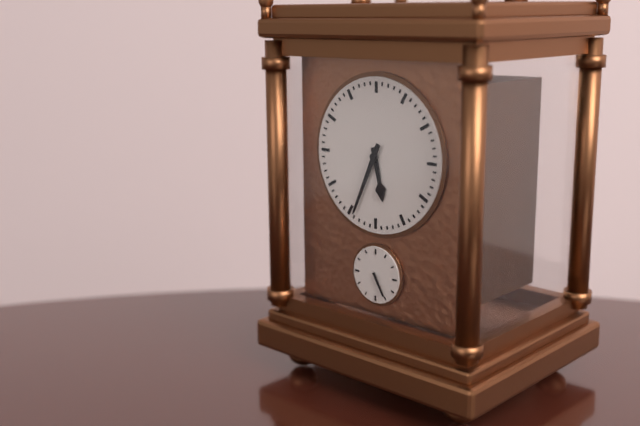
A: 5:34
